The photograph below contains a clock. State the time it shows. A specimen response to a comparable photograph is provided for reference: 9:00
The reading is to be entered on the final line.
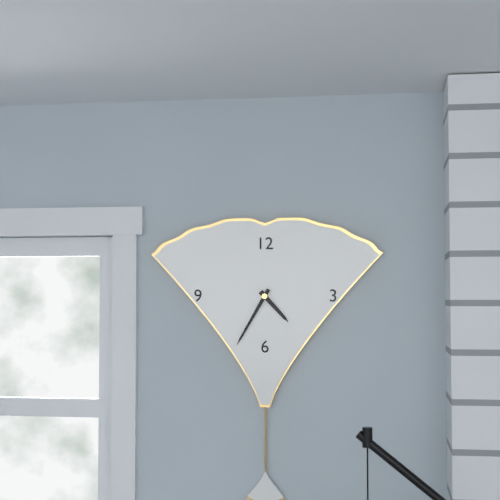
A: 4:35
